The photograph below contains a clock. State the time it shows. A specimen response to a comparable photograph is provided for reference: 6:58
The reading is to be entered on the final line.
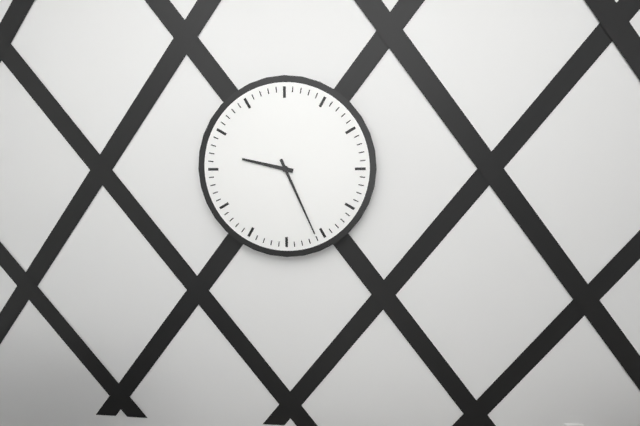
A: 9:26
